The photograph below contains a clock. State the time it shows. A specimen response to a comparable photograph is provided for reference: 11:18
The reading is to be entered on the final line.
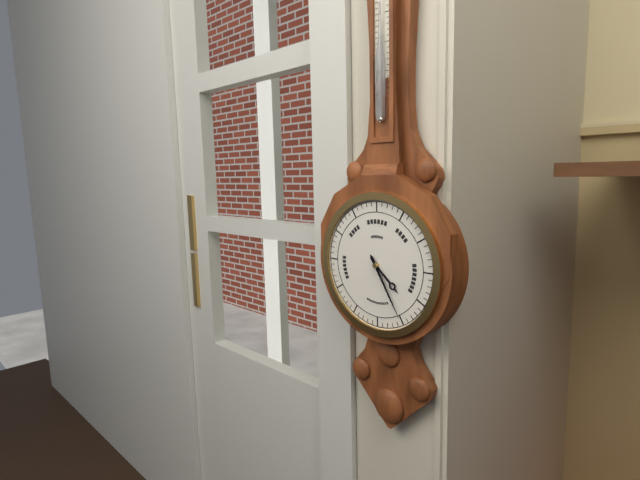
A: 4:25
